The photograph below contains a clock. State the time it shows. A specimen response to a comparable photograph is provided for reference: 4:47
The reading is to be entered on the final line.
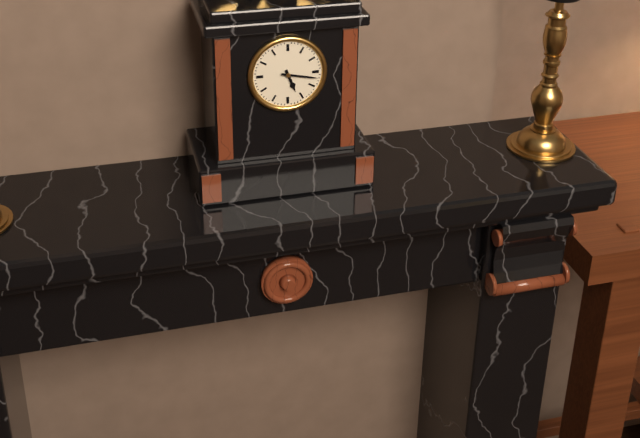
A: 5:17
